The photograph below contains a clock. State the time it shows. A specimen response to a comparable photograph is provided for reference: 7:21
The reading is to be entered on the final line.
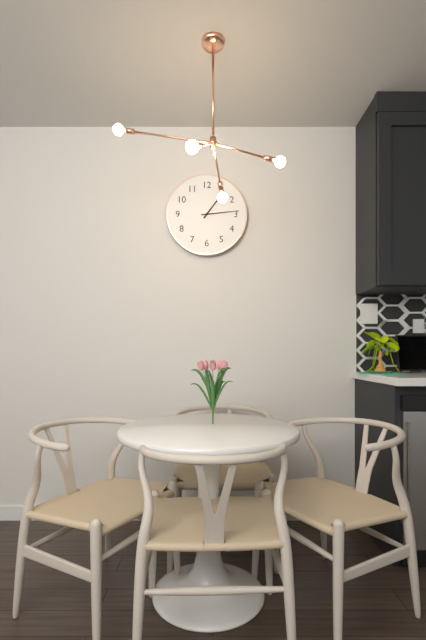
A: 1:14
